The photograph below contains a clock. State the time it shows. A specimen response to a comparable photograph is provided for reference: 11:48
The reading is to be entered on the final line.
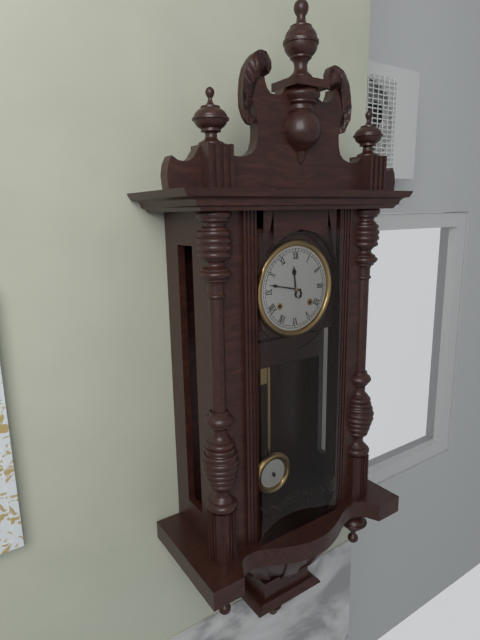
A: 11:47
